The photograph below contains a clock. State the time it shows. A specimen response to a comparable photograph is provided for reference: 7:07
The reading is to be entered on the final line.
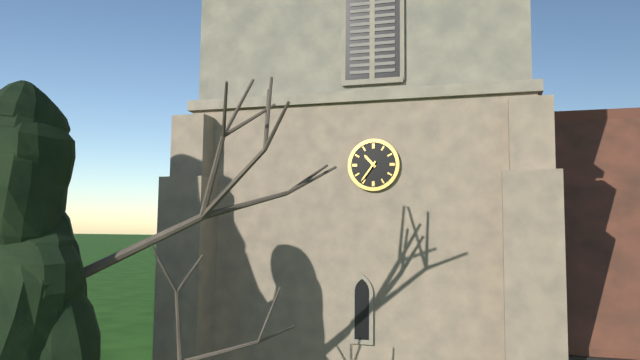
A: 10:36
